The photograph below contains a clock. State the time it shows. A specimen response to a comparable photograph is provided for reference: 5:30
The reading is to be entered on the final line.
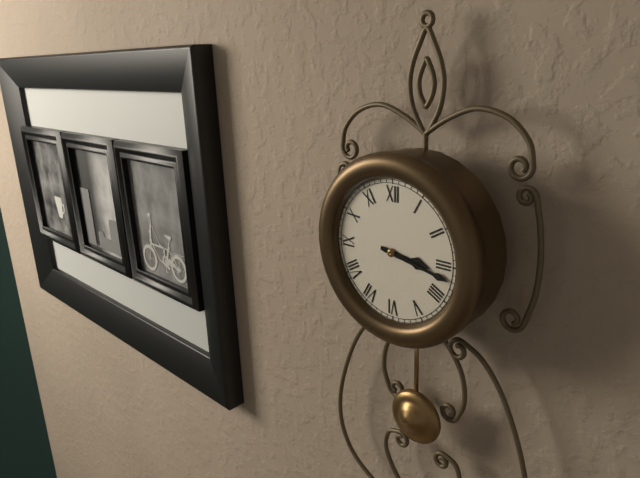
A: 3:17
